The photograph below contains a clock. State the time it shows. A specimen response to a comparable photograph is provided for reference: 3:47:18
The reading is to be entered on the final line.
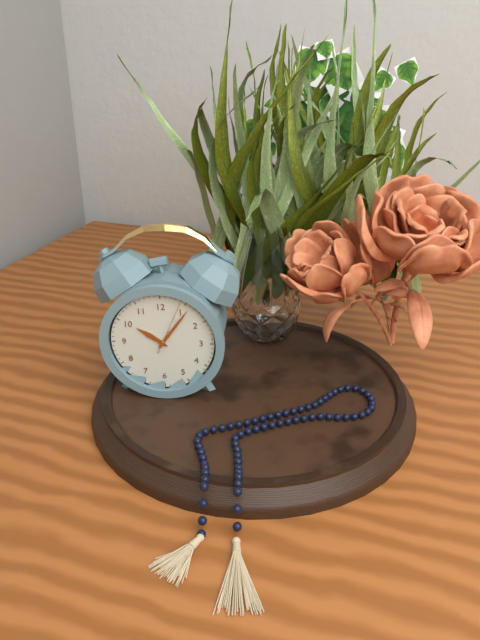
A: 10:06:04
